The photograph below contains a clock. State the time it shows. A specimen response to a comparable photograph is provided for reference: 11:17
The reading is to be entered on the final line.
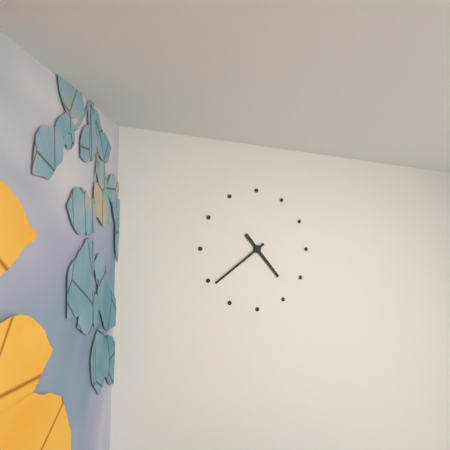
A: 4:39
